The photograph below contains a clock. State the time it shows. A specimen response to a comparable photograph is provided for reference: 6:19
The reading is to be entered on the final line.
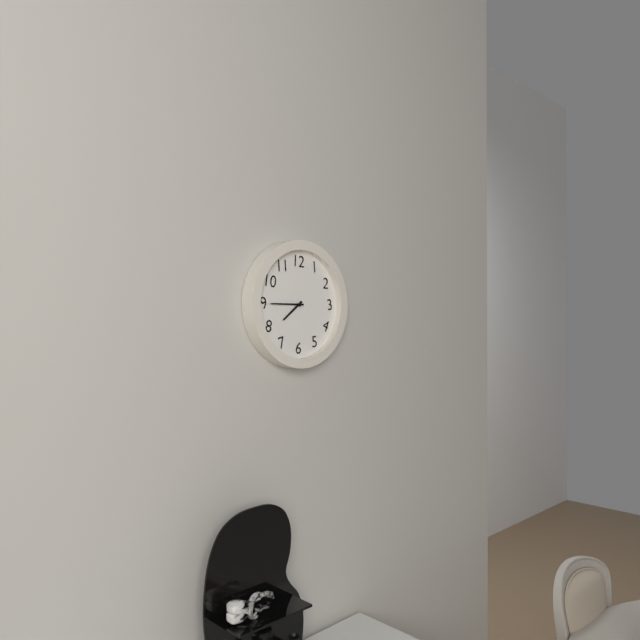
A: 7:45
